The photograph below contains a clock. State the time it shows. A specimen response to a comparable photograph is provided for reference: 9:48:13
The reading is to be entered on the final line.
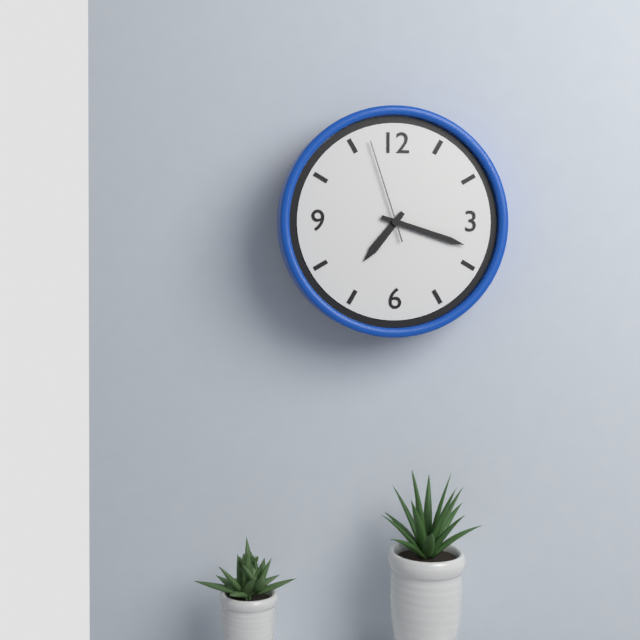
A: 7:18:57
